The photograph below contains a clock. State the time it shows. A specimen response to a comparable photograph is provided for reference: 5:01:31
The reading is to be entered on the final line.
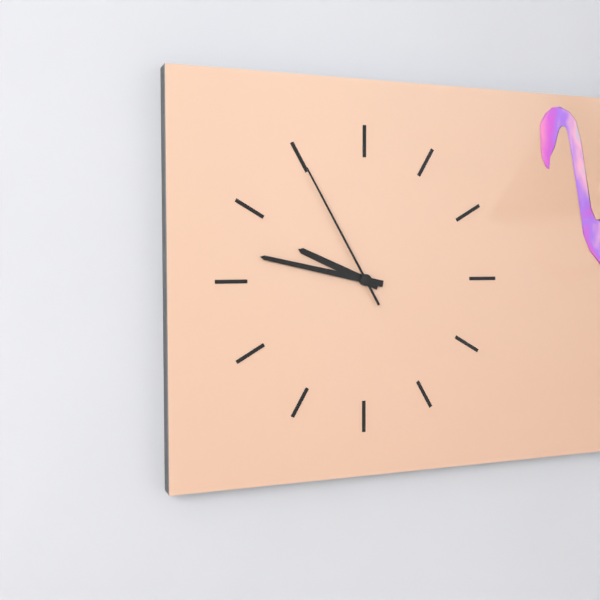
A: 9:47:55
